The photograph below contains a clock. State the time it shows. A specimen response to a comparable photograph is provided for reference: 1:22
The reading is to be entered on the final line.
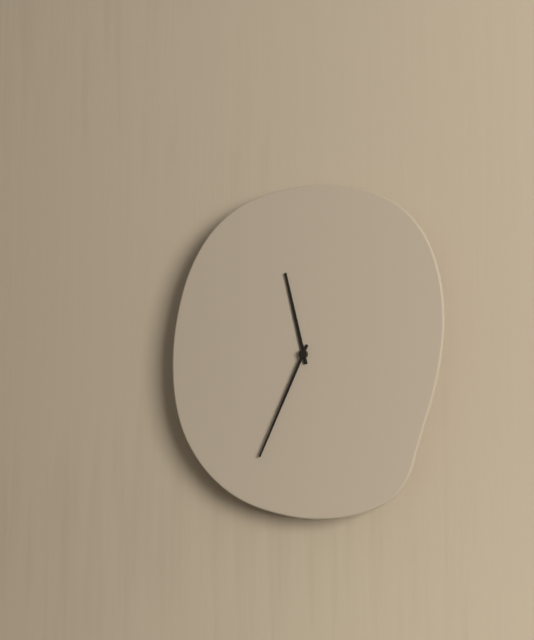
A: 11:34
